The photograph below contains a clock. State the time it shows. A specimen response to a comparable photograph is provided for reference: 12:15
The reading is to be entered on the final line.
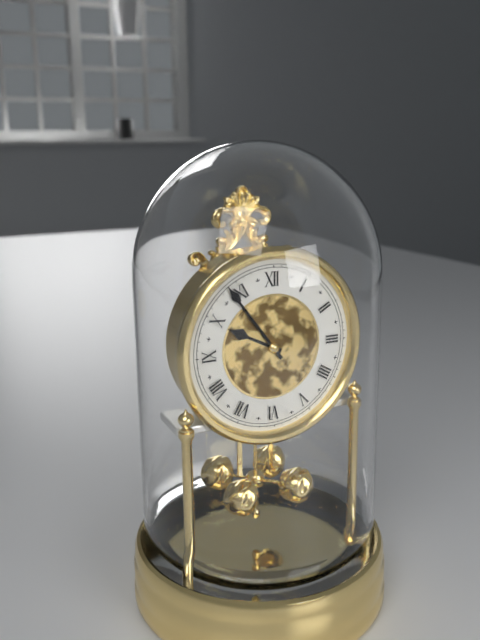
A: 9:54
